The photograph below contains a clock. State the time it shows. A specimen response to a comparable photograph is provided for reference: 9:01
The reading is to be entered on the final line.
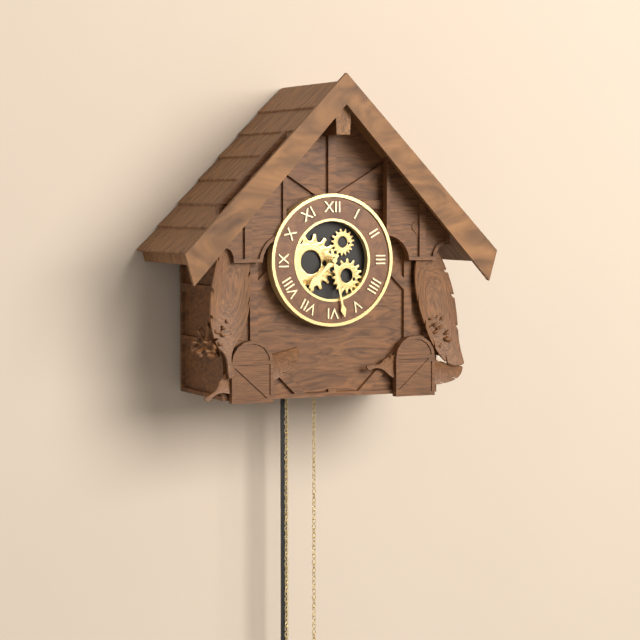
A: 7:28
